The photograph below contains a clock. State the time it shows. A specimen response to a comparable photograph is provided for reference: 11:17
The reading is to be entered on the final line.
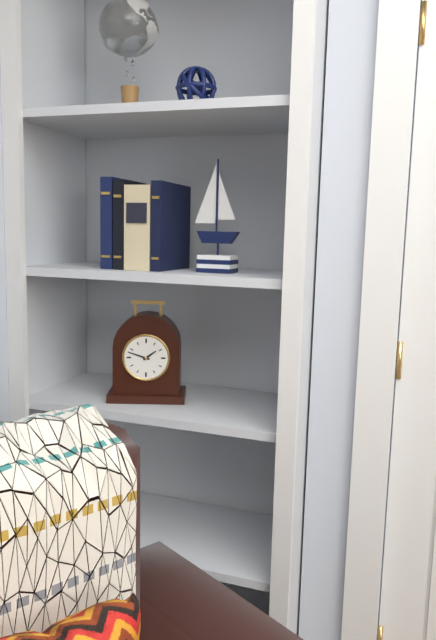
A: 1:48
